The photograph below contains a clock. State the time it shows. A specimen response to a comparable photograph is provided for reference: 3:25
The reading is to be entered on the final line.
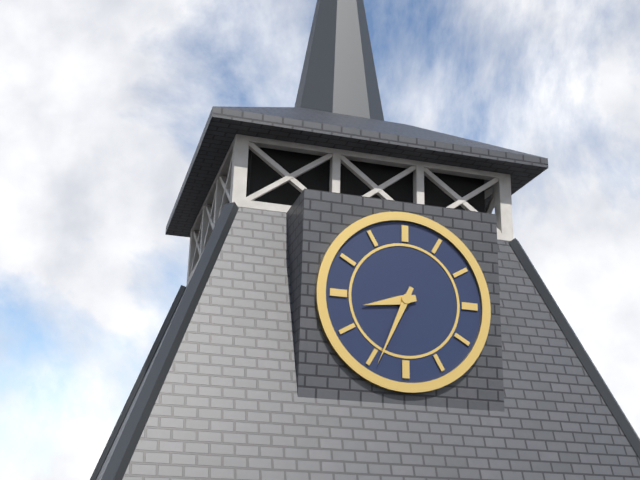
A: 8:34
